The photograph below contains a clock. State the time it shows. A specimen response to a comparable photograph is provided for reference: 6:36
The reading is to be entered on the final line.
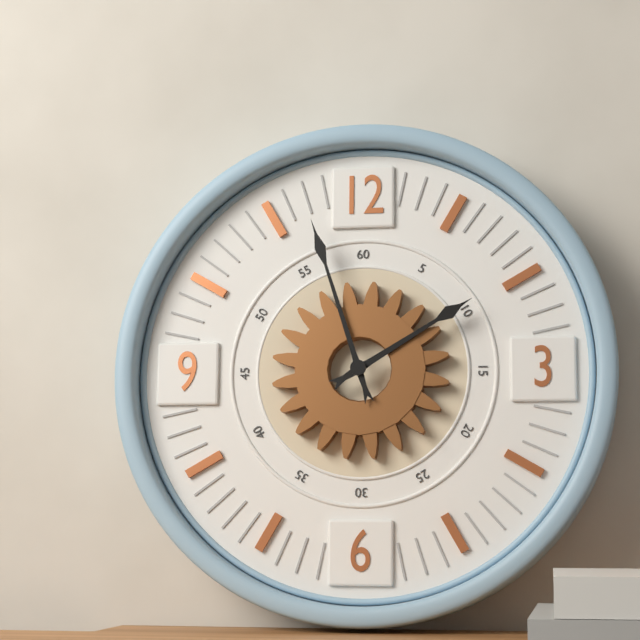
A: 1:57
